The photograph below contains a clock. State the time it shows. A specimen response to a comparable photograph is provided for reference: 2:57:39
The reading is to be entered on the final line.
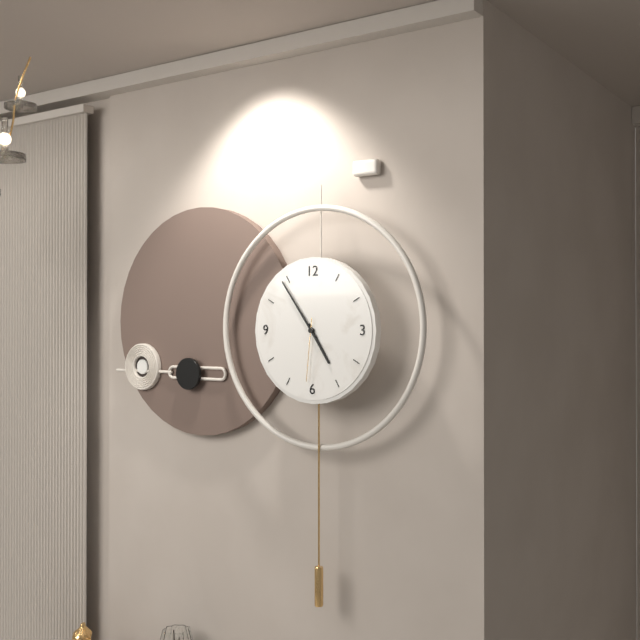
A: 4:54:31
